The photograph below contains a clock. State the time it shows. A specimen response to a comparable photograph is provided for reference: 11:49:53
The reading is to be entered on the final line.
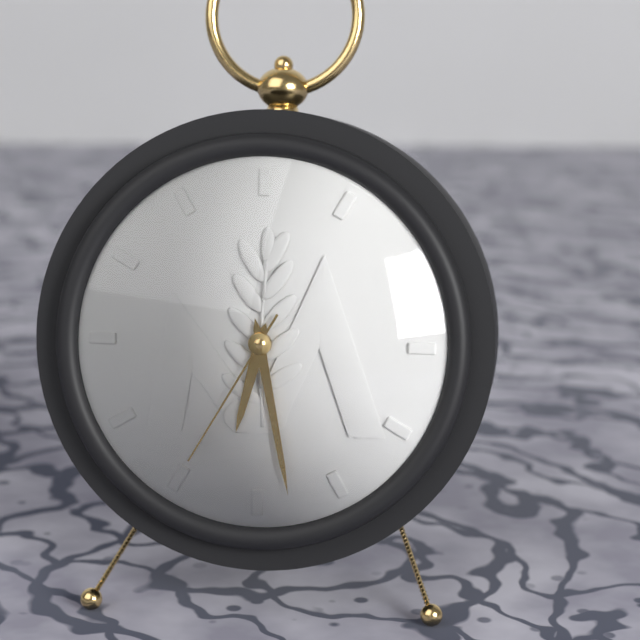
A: 6:28:35
